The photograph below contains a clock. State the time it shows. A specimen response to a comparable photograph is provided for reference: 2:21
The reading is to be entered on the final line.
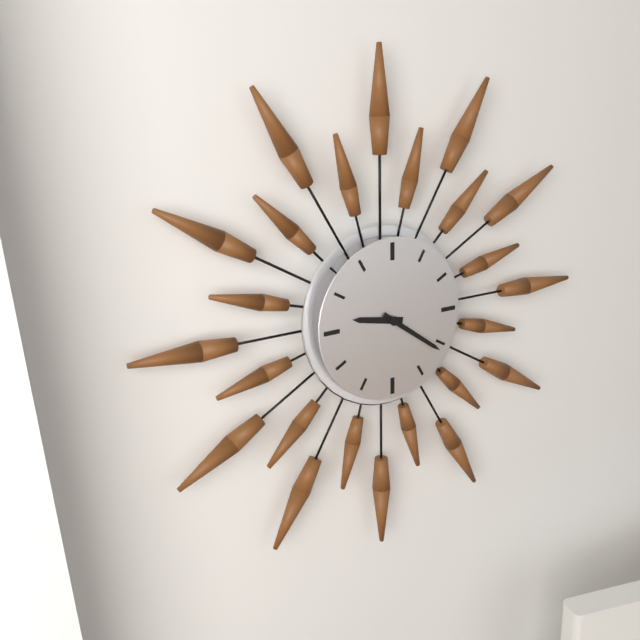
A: 9:21
